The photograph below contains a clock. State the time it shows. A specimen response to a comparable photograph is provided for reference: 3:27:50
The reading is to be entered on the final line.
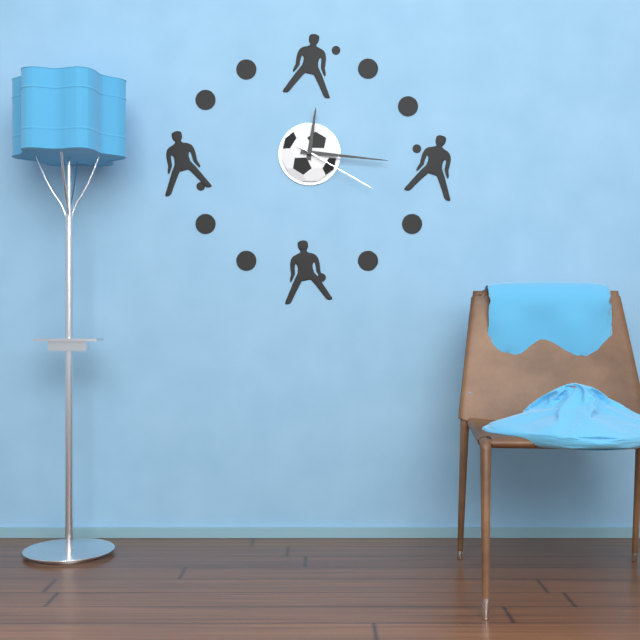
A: 12:16:20
